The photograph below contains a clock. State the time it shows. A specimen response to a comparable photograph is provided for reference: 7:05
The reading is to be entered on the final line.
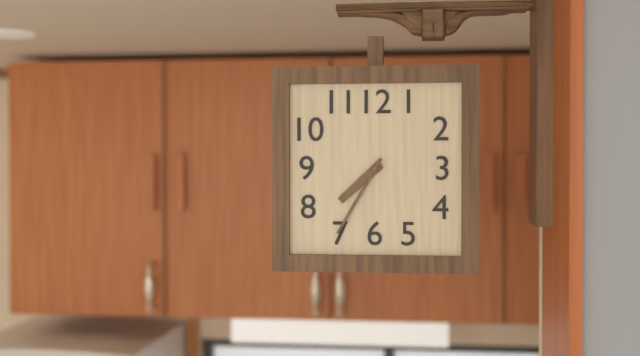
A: 7:35
